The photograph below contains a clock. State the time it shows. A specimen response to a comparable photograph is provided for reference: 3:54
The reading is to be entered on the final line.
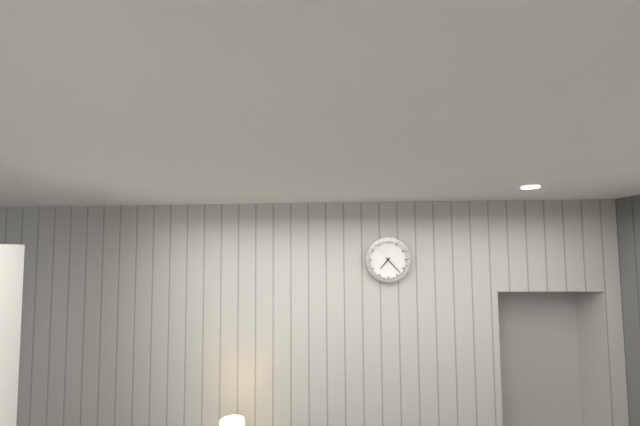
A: 7:23
